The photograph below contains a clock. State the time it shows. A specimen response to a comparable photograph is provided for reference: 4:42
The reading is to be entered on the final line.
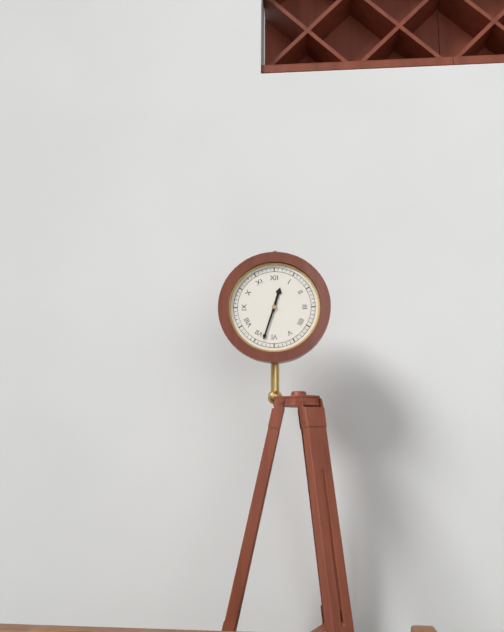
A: 12:33
